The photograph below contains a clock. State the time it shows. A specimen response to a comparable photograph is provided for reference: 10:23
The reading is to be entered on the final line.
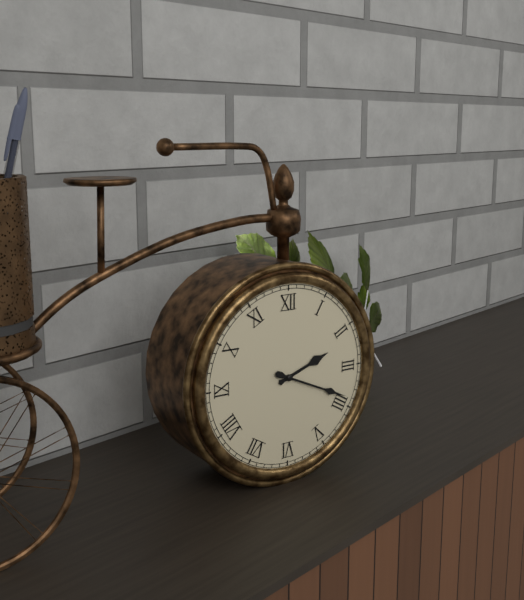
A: 2:19
